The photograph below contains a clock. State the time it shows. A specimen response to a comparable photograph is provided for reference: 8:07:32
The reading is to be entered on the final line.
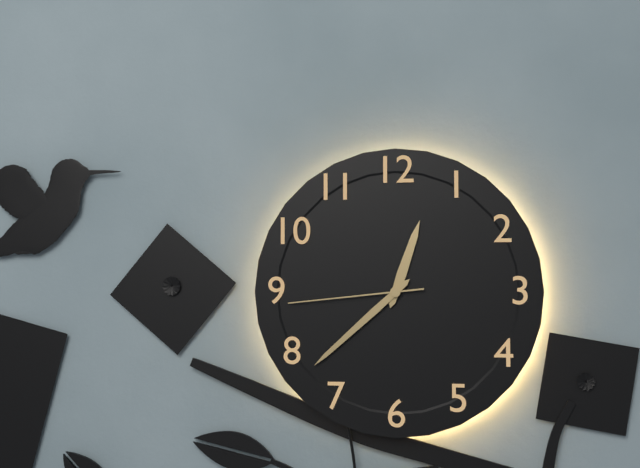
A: 12:38:44
